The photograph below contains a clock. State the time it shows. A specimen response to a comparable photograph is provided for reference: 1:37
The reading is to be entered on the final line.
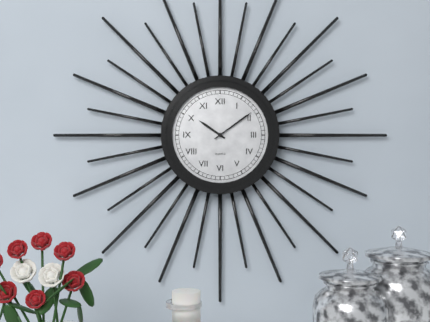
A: 10:09
